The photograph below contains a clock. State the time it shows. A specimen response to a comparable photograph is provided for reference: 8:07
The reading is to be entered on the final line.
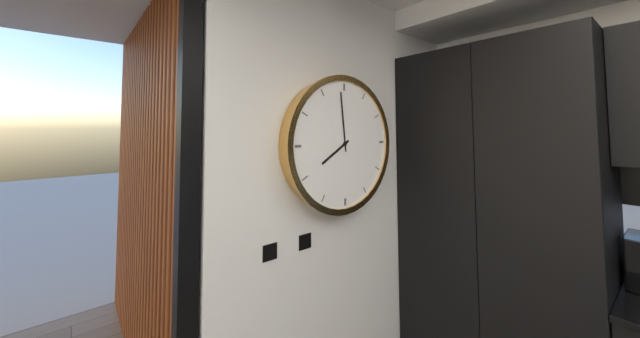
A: 7:59
